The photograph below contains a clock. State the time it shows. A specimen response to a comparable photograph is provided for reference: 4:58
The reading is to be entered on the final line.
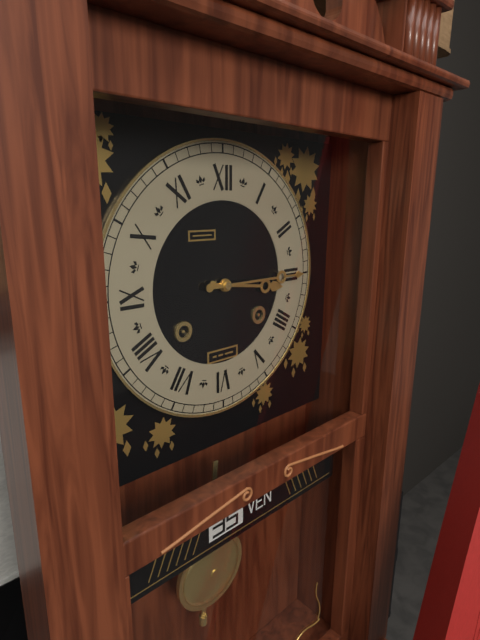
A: 3:15
